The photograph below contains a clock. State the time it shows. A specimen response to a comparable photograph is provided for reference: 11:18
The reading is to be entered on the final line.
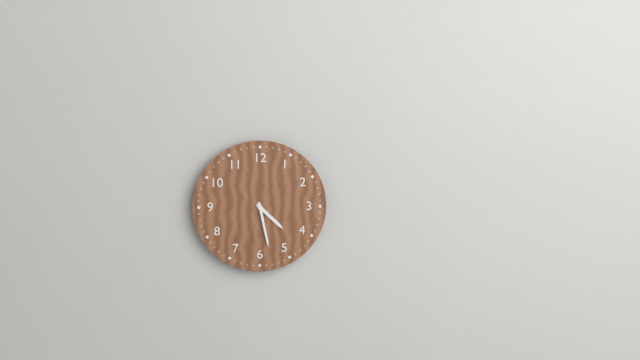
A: 4:28
